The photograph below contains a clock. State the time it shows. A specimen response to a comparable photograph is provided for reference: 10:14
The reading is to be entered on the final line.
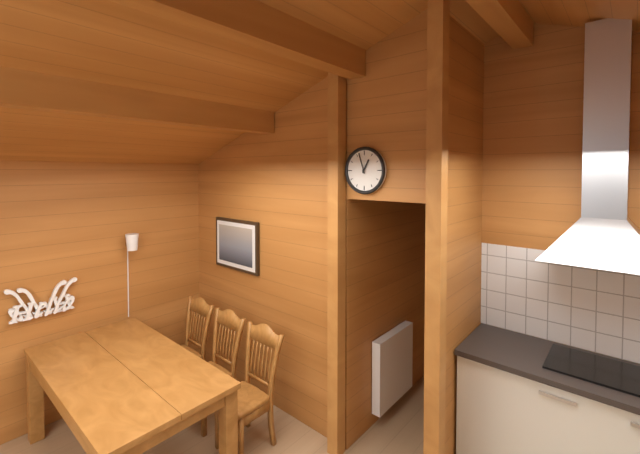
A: 12:57
